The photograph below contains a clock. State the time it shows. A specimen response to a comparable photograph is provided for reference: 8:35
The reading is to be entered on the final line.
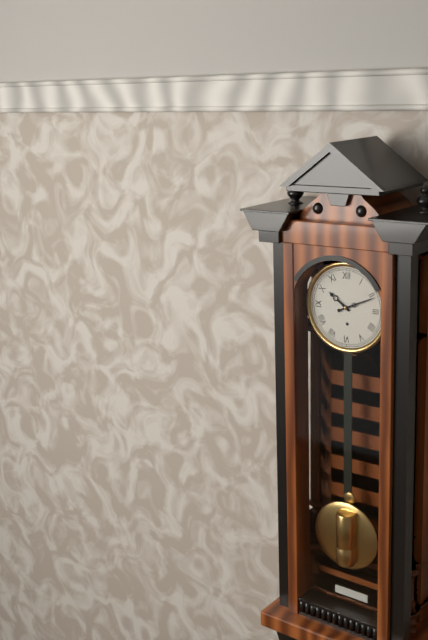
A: 10:11
